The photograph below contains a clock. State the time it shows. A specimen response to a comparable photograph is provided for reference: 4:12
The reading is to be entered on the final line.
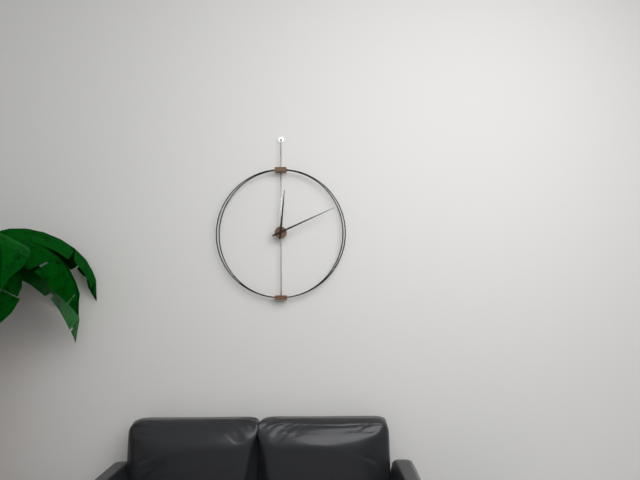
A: 12:11
